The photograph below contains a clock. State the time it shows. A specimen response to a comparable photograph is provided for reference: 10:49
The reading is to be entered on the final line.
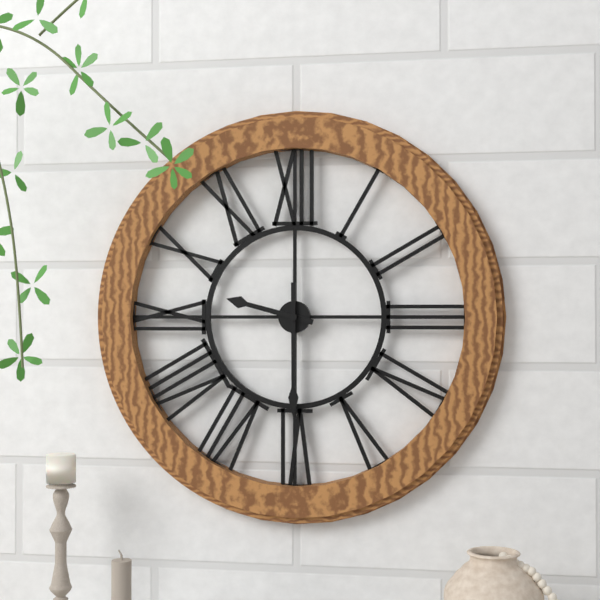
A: 9:30
